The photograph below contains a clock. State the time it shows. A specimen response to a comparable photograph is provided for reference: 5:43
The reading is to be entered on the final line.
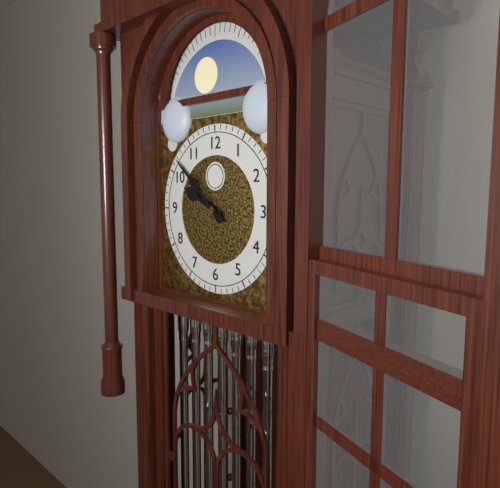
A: 9:52
